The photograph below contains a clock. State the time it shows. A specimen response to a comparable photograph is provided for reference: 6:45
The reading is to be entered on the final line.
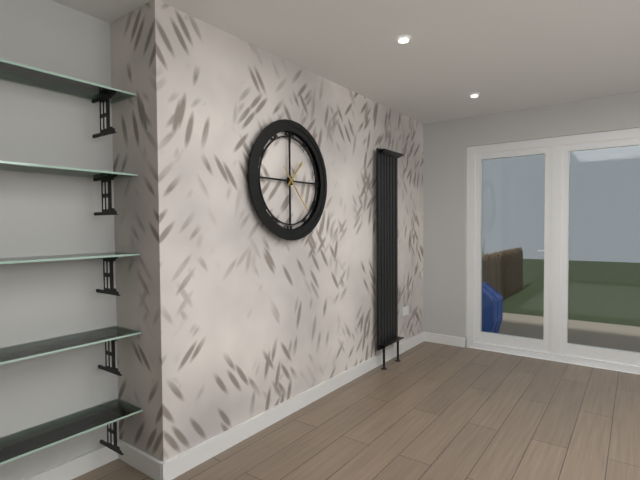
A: 1:23
